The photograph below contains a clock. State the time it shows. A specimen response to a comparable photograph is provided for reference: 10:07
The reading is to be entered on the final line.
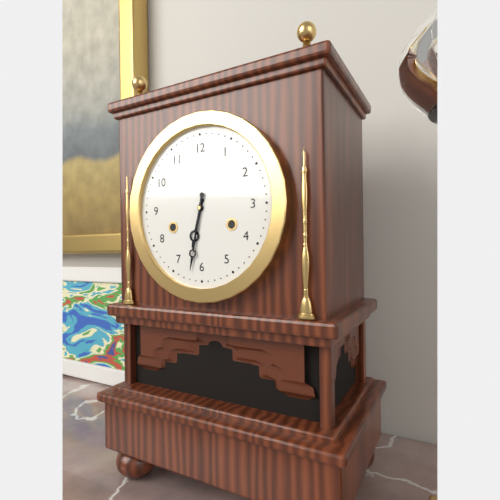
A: 6:32
